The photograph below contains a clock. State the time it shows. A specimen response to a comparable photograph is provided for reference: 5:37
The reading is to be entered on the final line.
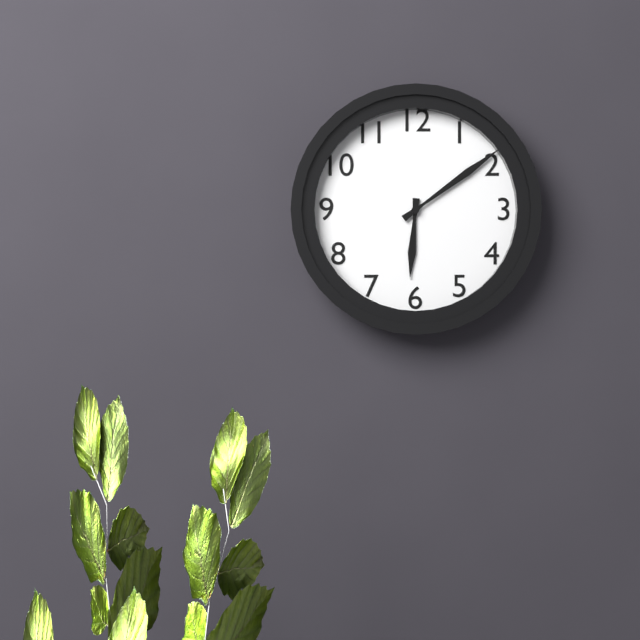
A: 6:09
